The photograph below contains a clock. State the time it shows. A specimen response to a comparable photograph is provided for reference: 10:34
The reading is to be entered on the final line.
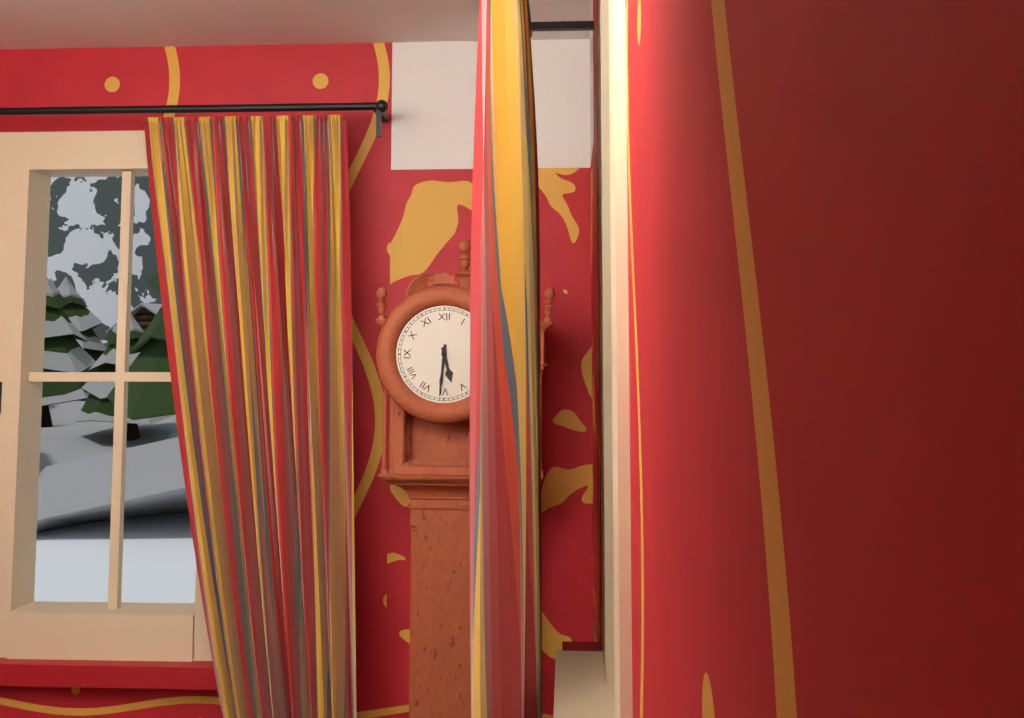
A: 5:31
